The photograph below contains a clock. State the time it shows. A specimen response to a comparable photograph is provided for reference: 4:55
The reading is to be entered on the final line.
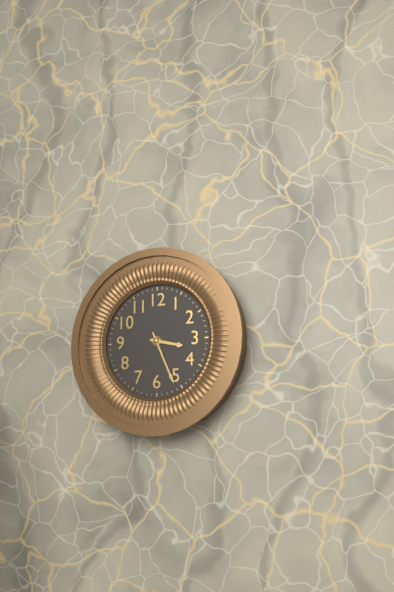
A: 3:26
